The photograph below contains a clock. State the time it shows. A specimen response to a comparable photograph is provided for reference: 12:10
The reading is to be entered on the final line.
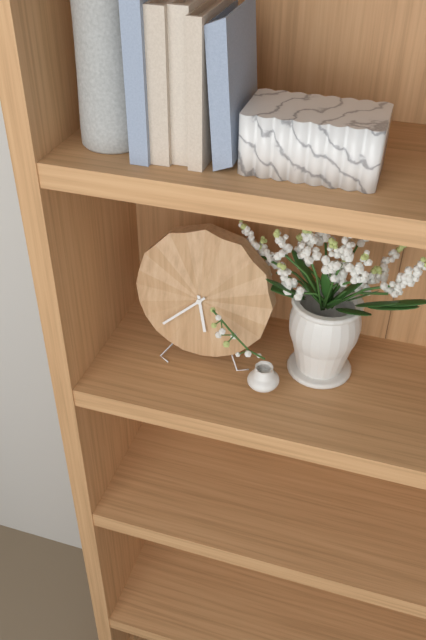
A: 5:38
